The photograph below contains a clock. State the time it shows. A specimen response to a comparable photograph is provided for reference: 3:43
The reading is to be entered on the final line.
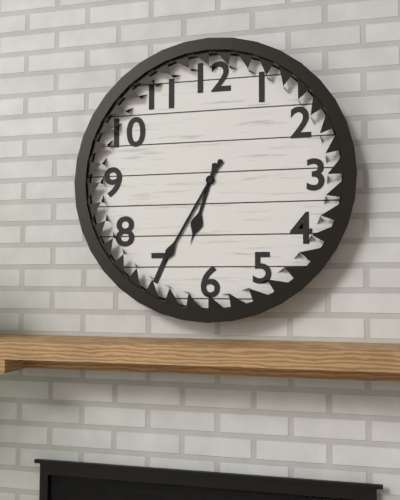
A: 6:35
